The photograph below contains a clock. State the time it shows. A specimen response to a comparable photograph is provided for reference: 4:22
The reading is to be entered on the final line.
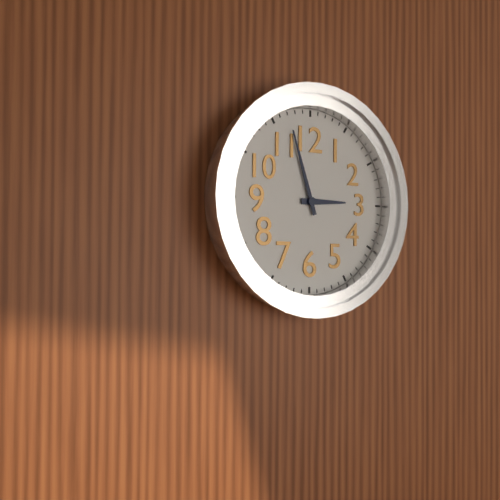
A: 2:57
